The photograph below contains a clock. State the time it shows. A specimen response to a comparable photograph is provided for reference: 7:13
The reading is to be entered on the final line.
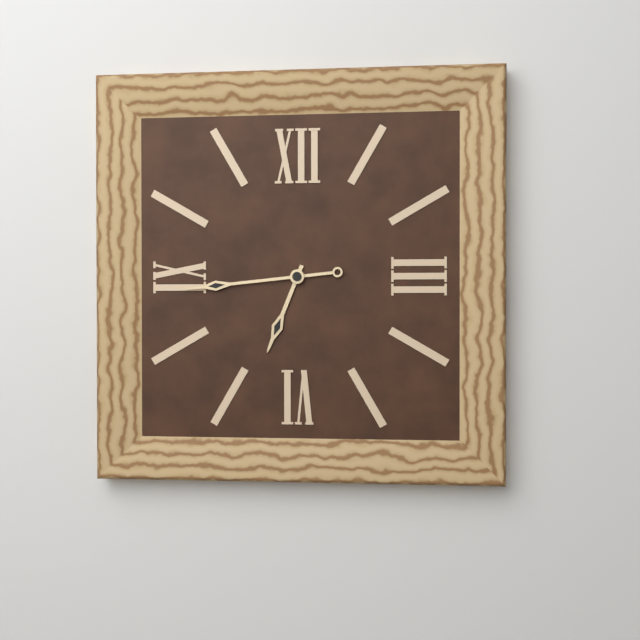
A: 6:44
